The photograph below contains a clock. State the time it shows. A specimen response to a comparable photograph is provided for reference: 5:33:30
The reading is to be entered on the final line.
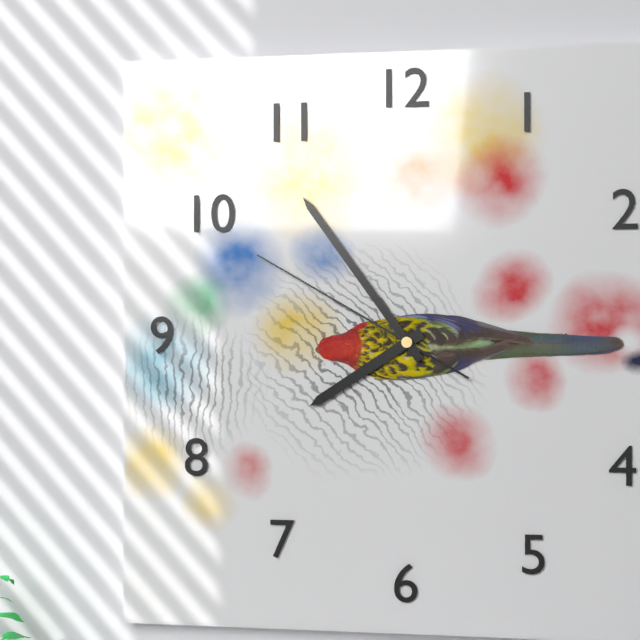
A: 7:54:50
